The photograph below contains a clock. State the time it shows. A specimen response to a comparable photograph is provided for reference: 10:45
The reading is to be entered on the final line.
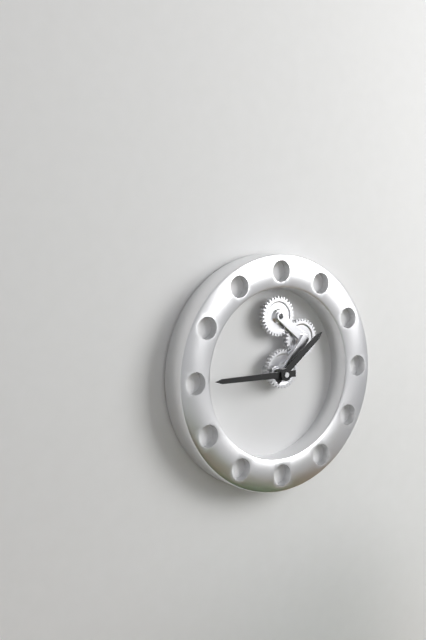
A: 1:45
